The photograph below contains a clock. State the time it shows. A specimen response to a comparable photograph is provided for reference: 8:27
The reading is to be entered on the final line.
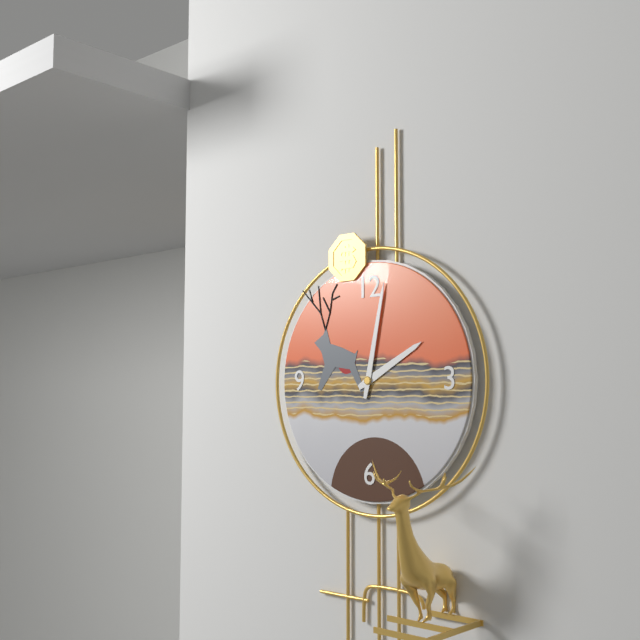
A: 2:02
